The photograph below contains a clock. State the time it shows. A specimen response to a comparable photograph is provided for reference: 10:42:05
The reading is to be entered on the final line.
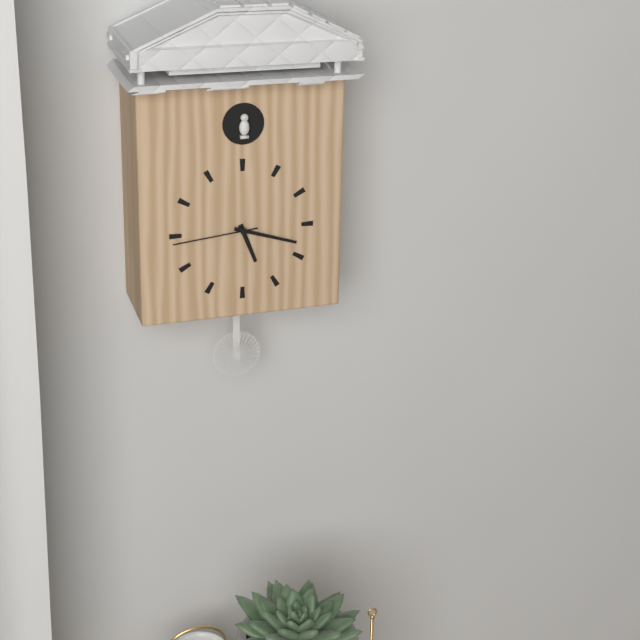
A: 5:18:44
